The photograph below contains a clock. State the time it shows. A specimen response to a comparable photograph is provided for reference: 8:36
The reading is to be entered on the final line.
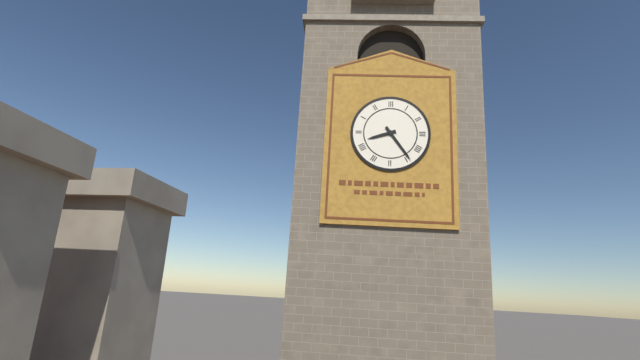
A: 8:24
